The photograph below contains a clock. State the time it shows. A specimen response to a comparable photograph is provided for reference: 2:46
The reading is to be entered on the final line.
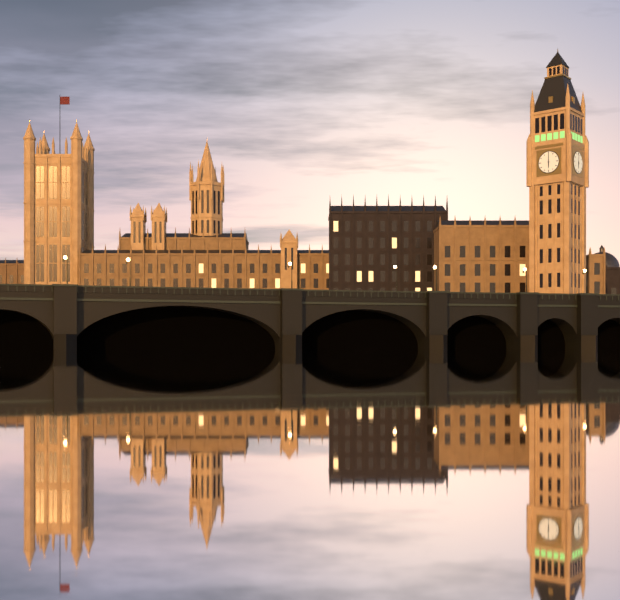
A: 6:00
